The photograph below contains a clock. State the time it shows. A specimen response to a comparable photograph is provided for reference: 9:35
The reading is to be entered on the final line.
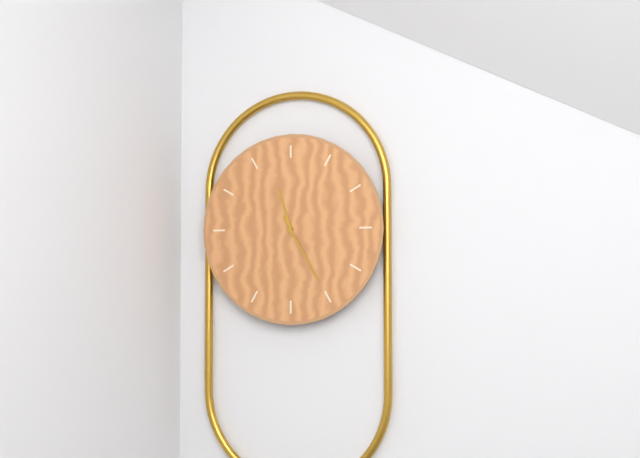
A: 11:25
